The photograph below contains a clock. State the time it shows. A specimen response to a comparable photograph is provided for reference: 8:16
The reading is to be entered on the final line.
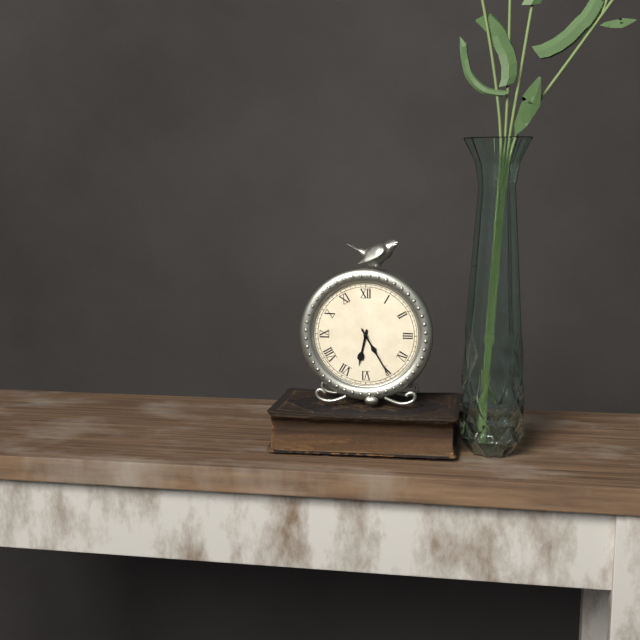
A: 6:25
